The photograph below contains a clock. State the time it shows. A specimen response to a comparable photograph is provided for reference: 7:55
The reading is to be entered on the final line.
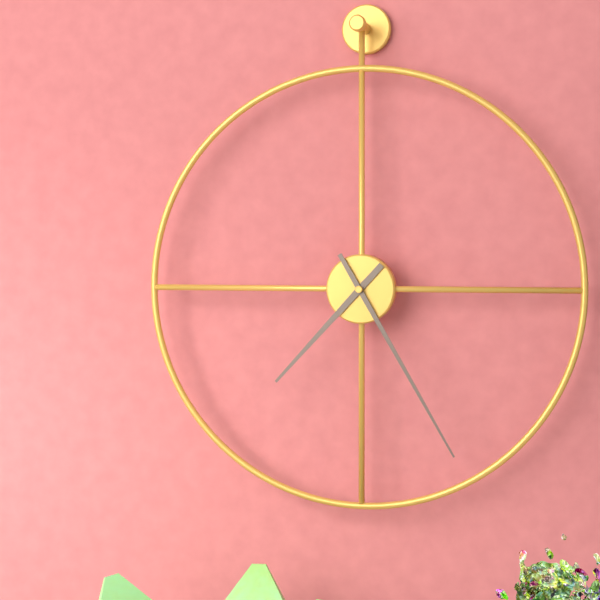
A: 7:25
